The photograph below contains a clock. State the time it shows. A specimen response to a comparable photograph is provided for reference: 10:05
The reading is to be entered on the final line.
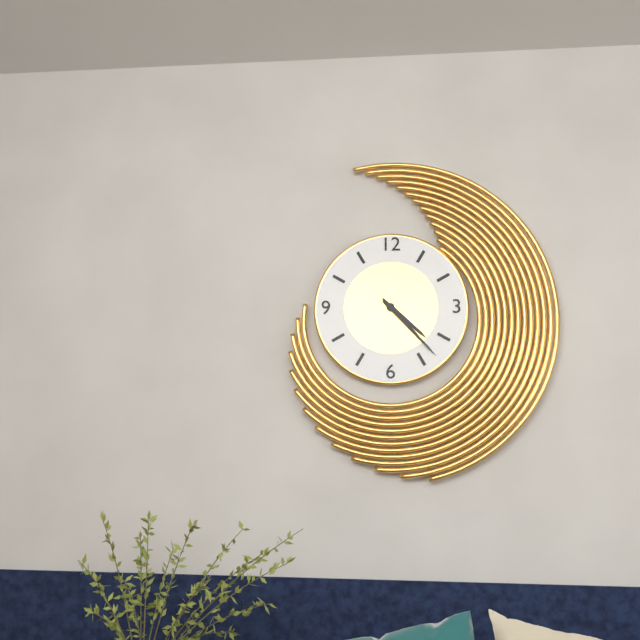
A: 4:23
